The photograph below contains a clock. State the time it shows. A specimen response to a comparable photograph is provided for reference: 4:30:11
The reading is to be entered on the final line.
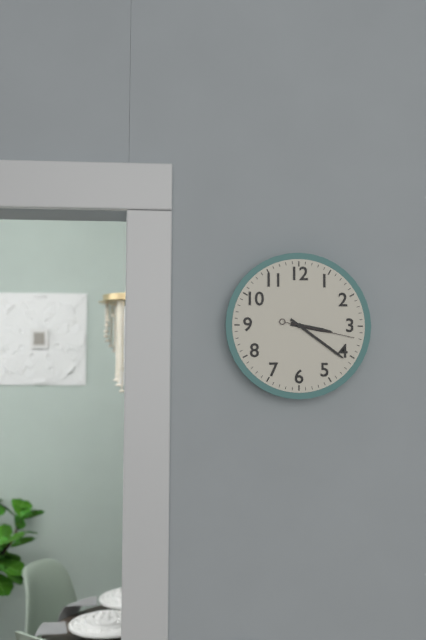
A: 3:21:17
